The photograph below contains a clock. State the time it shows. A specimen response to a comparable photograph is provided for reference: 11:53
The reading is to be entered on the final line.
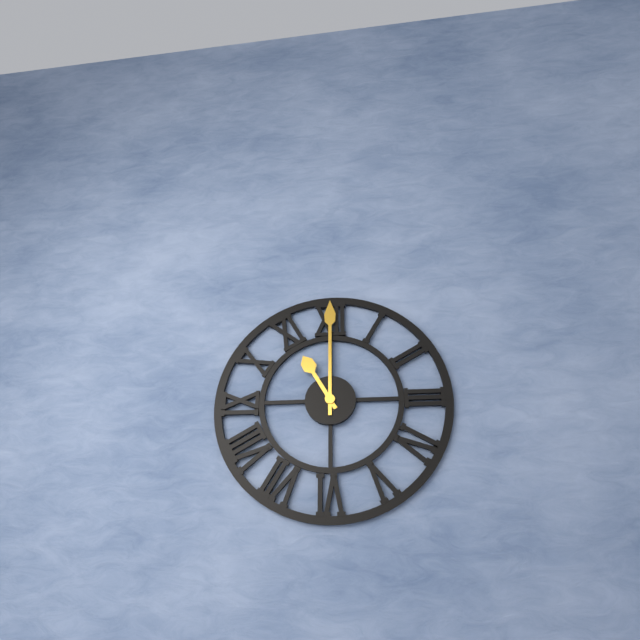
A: 11:00
